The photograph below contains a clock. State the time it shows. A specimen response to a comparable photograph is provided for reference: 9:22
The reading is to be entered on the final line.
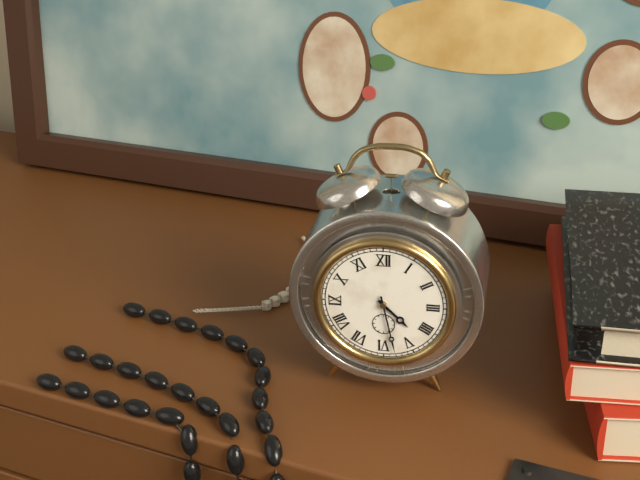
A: 4:28
